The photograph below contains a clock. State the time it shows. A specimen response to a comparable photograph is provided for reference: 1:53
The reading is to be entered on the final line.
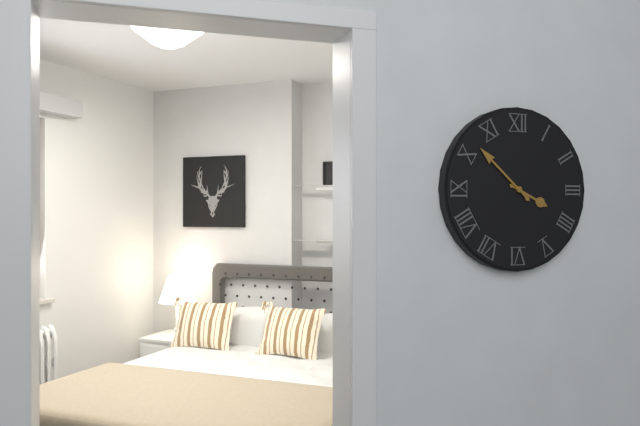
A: 3:52
